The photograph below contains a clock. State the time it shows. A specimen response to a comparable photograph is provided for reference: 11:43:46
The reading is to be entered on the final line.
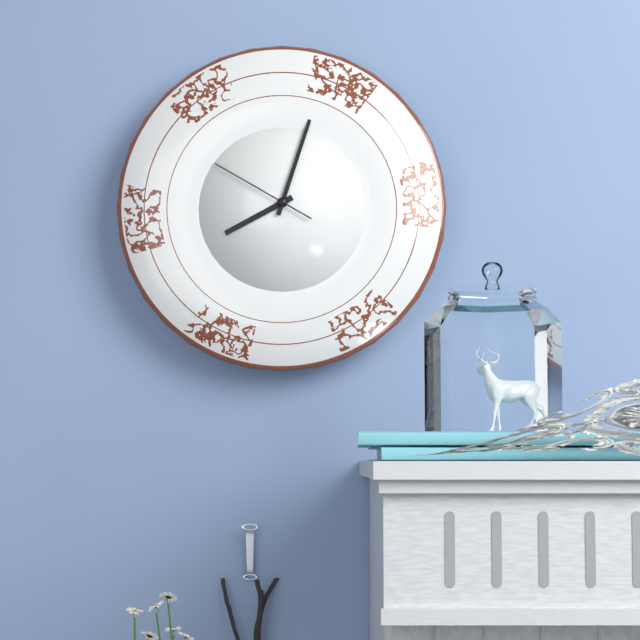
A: 8:03:50
